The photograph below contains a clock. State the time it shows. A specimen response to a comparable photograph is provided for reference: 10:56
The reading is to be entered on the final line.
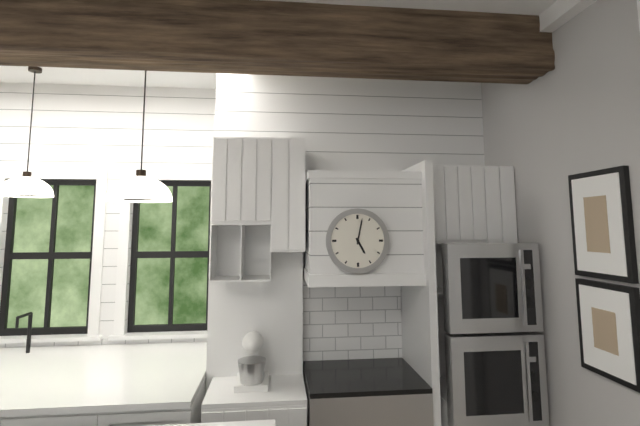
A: 5:02
